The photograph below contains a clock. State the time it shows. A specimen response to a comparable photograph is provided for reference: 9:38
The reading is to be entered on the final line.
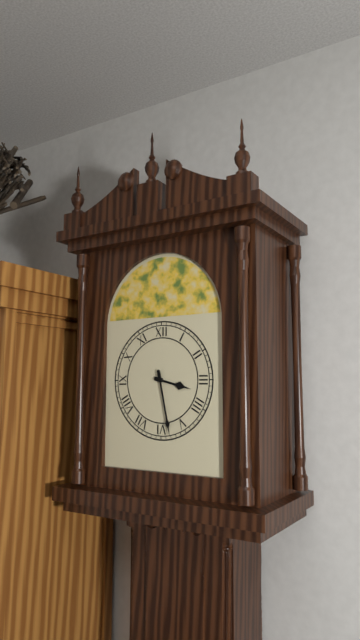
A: 3:28
